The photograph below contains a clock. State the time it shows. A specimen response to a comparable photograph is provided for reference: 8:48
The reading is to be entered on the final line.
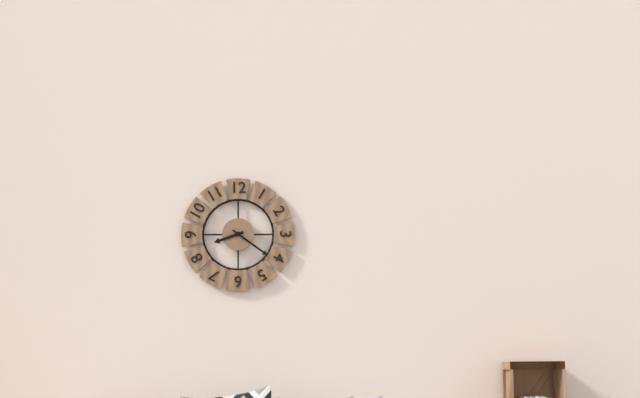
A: 8:21
